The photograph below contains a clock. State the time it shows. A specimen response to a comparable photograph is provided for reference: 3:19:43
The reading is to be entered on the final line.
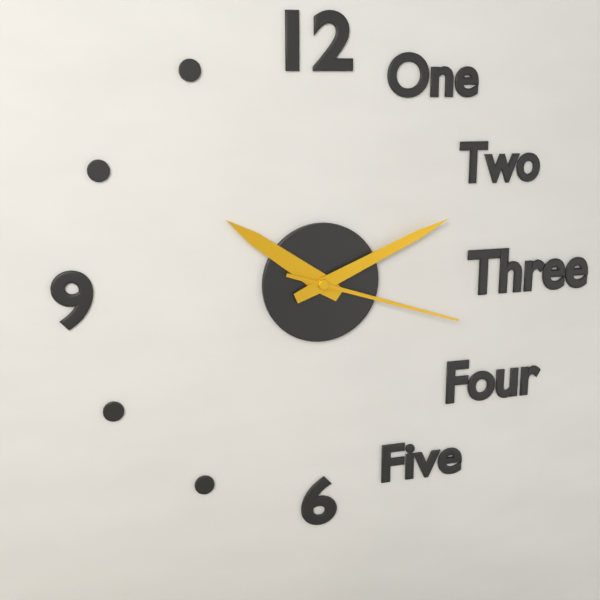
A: 10:11:18
